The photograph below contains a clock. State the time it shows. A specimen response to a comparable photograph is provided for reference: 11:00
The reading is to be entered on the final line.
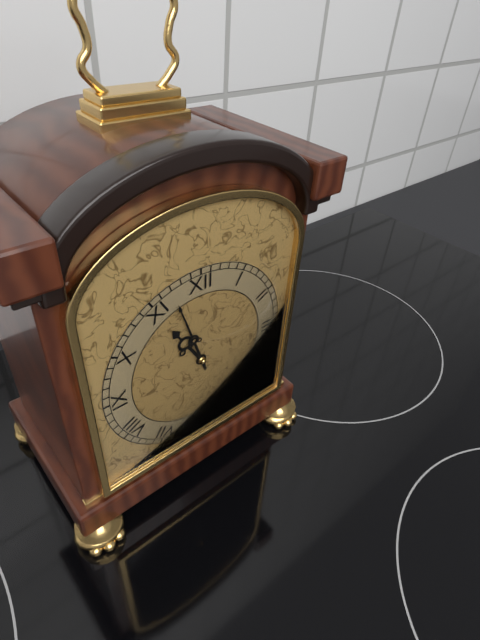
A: 10:57
